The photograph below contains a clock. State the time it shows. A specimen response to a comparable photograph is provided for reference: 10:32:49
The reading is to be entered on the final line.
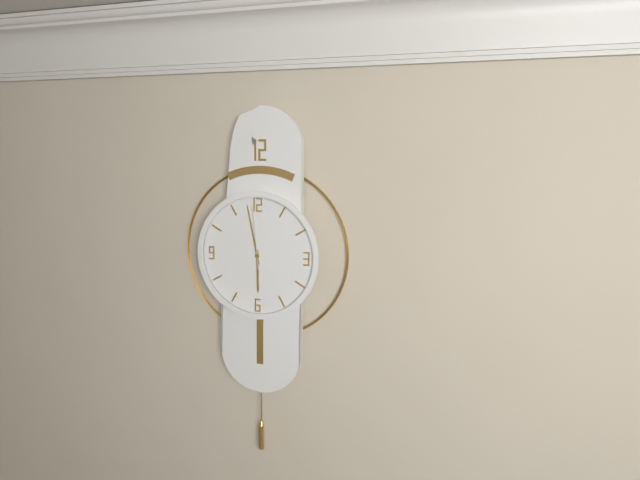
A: 5:58:59
